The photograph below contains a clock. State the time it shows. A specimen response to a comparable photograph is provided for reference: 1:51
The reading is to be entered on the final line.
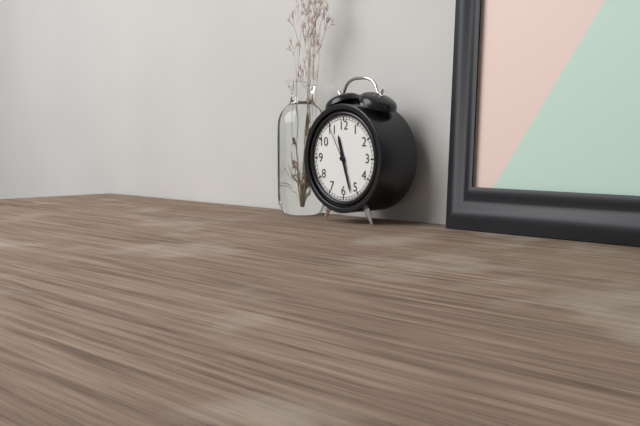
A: 11:27
